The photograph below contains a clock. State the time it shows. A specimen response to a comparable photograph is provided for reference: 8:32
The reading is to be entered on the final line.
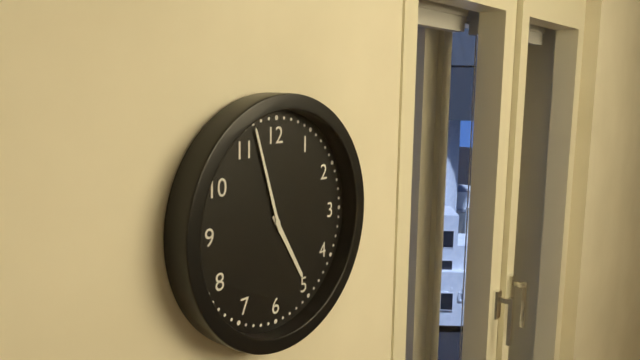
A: 4:57
